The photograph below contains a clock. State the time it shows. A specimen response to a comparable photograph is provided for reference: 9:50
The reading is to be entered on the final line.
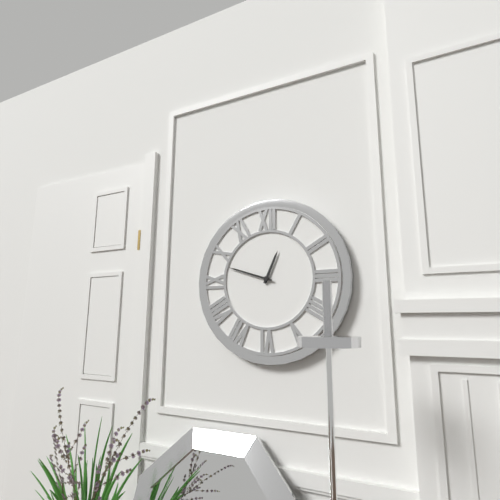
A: 12:48
